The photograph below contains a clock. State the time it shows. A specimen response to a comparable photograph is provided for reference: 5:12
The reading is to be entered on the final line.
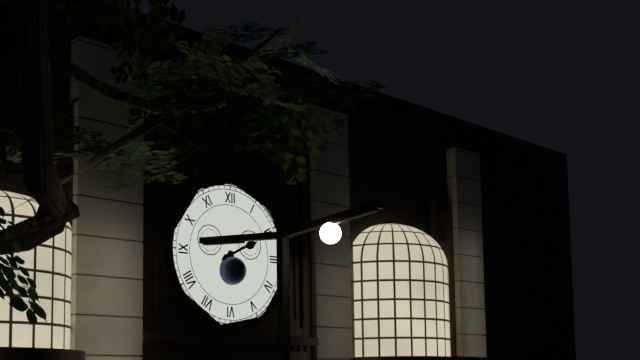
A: 2:10
